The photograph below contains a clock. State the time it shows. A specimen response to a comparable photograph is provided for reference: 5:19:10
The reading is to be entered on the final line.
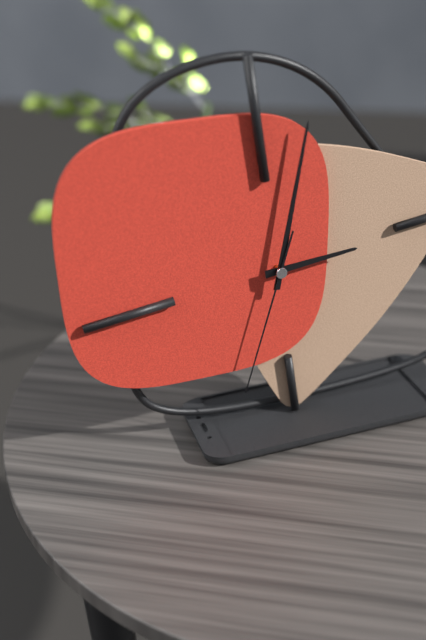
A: 3:03:34
